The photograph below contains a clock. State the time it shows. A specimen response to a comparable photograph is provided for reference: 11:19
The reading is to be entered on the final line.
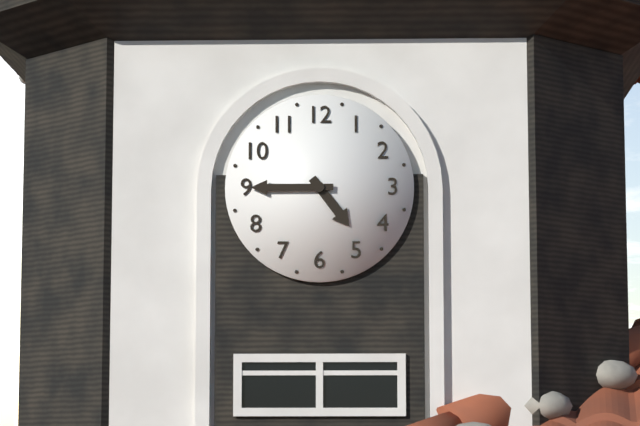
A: 4:45
